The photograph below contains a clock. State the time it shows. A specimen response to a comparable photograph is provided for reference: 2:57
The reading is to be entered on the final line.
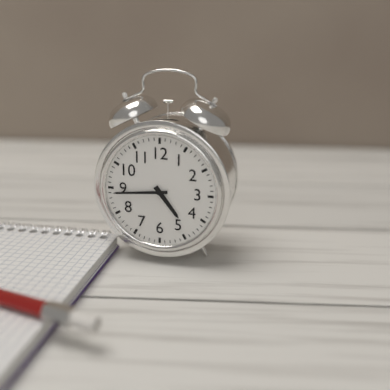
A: 4:44
